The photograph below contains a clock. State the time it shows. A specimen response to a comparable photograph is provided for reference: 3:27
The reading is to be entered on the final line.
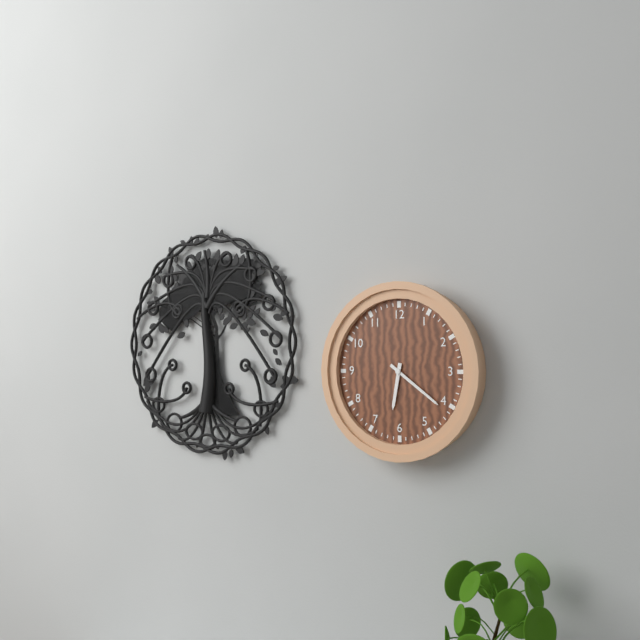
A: 6:21
